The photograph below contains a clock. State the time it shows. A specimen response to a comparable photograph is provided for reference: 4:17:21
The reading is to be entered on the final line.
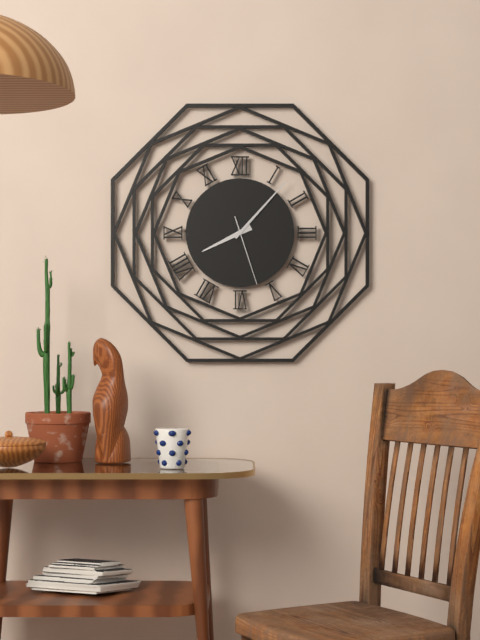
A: 8:07:27
